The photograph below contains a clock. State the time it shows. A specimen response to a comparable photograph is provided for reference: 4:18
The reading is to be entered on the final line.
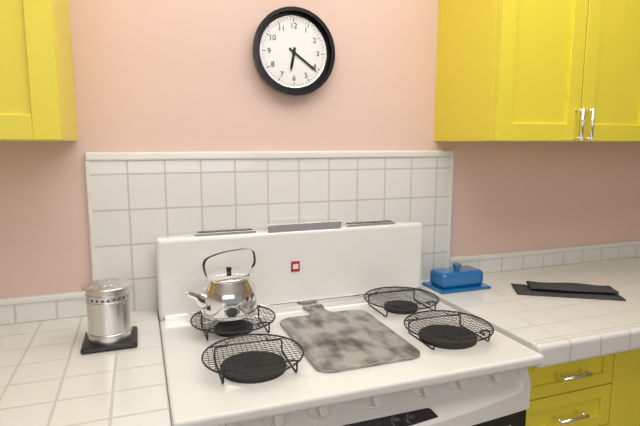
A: 6:21
